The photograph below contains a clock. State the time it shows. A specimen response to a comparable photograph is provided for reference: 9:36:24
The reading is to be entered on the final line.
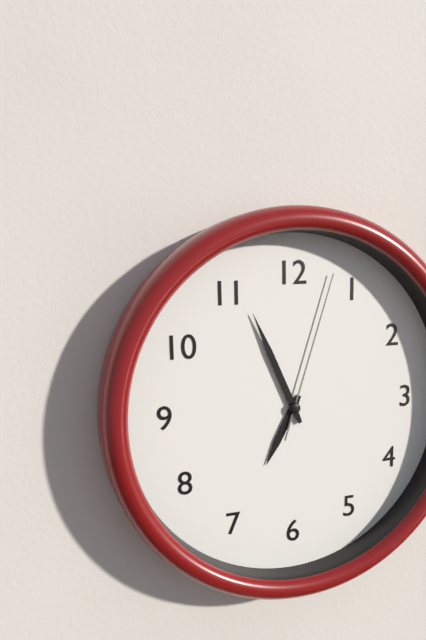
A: 6:56:03
